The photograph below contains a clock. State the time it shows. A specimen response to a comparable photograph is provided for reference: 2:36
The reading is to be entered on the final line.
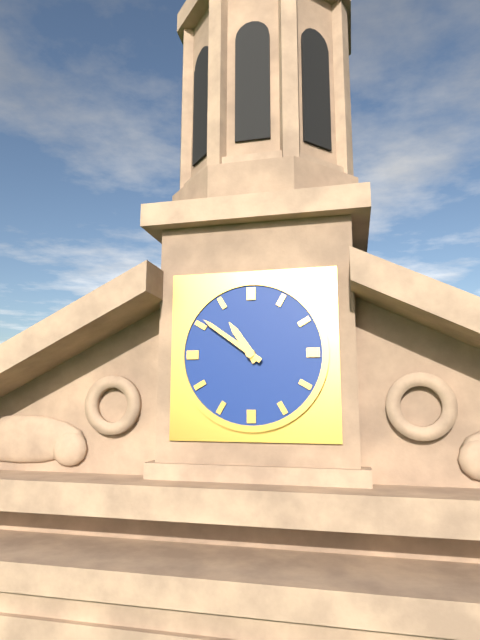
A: 10:51
